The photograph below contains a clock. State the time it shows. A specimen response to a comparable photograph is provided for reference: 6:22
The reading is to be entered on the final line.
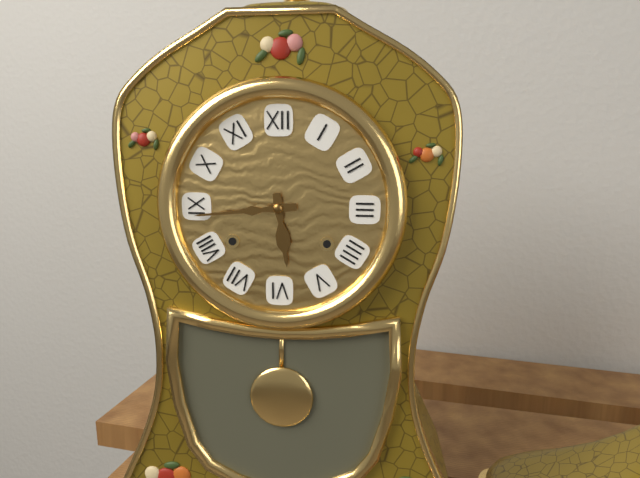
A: 5:44
